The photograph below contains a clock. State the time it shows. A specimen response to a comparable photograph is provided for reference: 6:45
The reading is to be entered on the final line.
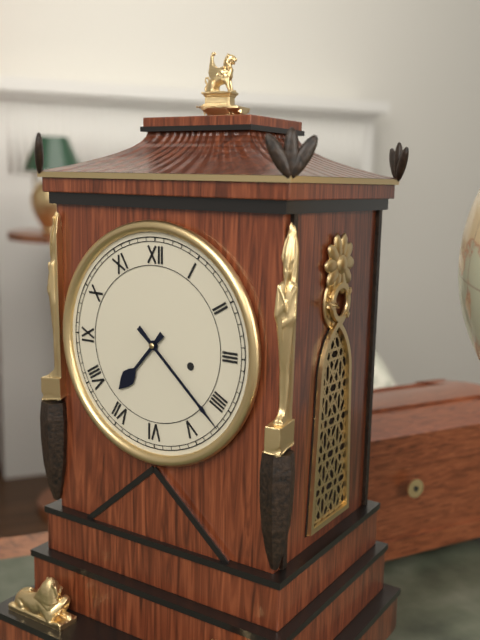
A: 7:22
